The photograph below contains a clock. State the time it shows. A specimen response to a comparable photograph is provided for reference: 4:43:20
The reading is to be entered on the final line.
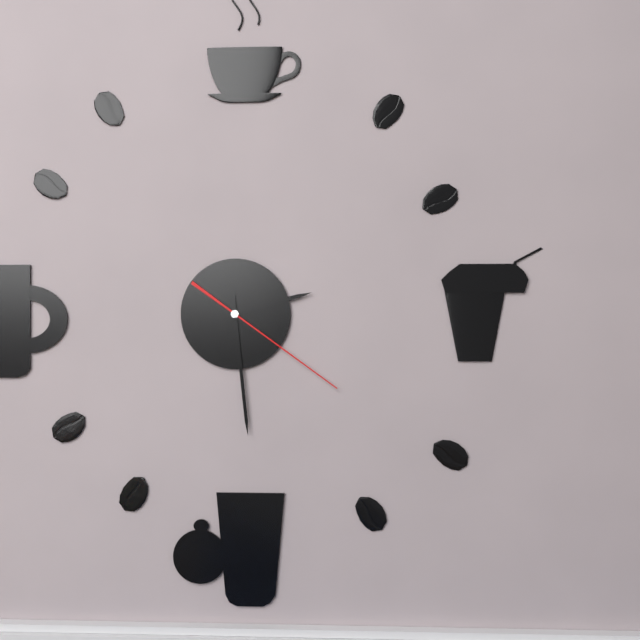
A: 2:29:21
